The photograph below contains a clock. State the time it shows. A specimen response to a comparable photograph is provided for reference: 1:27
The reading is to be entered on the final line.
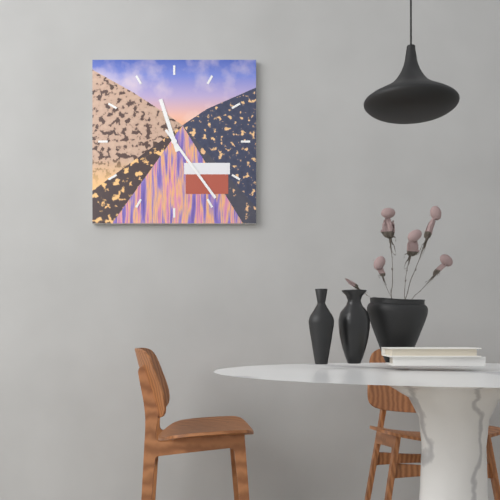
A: 11:24
